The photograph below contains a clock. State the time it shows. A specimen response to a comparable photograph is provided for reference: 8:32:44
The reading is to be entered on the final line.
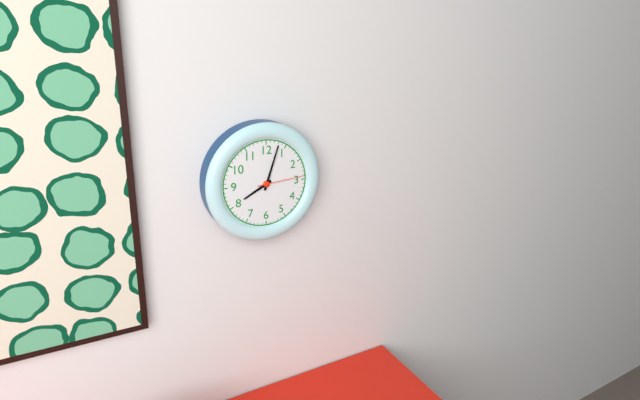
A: 8:03:14
